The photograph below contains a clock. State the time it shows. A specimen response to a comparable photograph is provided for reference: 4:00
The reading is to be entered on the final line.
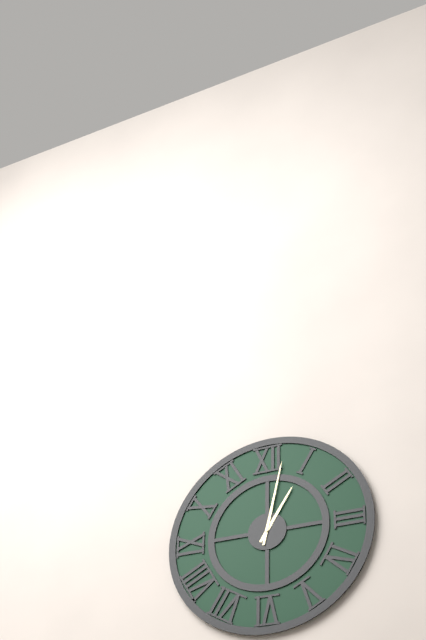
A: 1:02
